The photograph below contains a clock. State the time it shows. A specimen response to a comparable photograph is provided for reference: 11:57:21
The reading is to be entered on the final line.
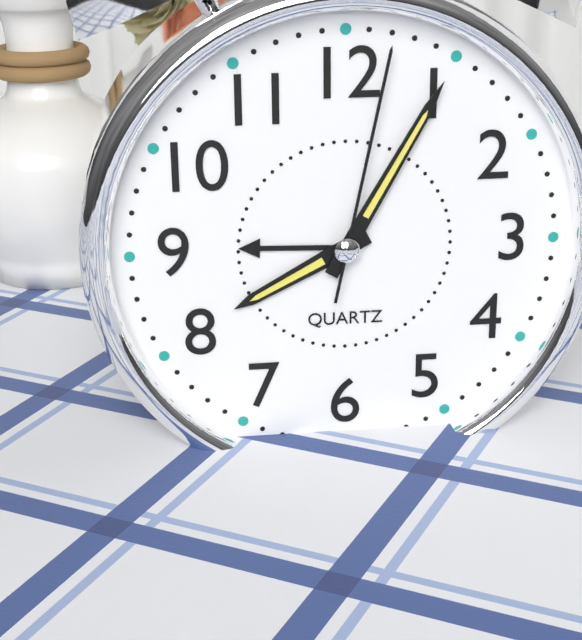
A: 8:05:02
